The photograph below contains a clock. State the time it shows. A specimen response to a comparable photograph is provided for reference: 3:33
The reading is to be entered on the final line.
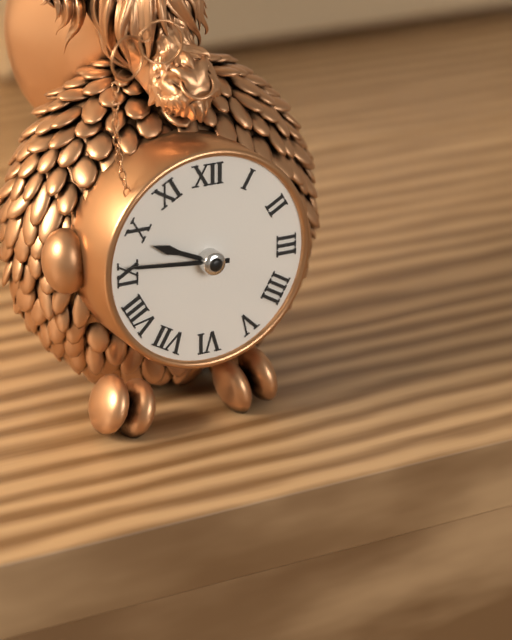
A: 9:46
